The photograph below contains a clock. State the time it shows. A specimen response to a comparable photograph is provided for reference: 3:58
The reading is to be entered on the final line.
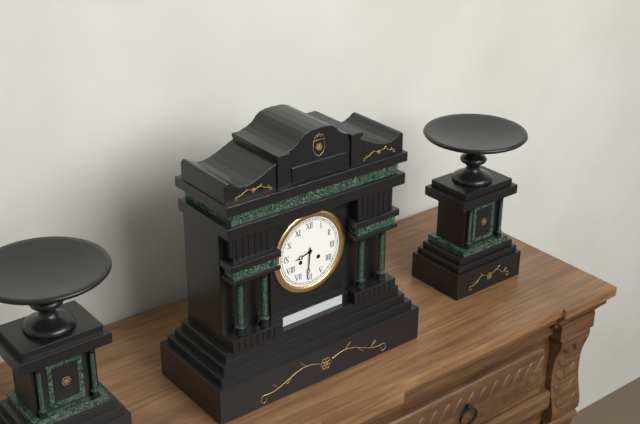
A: 8:31
